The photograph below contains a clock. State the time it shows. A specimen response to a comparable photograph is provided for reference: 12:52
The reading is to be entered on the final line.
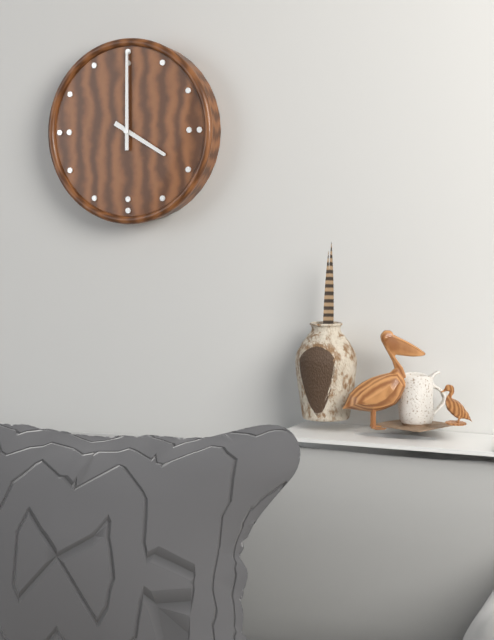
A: 4:00
